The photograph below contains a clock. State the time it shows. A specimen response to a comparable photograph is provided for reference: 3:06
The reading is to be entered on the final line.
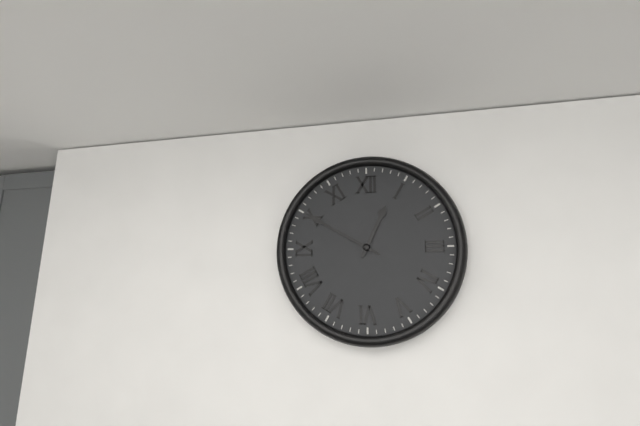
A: 12:50
